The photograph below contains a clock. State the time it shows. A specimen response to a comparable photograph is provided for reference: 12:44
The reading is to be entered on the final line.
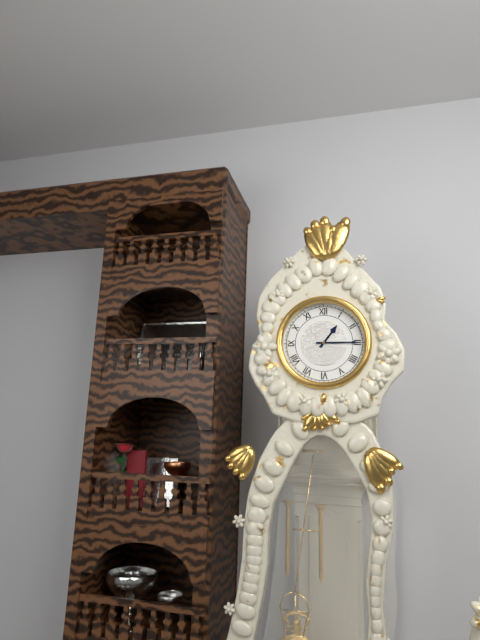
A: 1:15
